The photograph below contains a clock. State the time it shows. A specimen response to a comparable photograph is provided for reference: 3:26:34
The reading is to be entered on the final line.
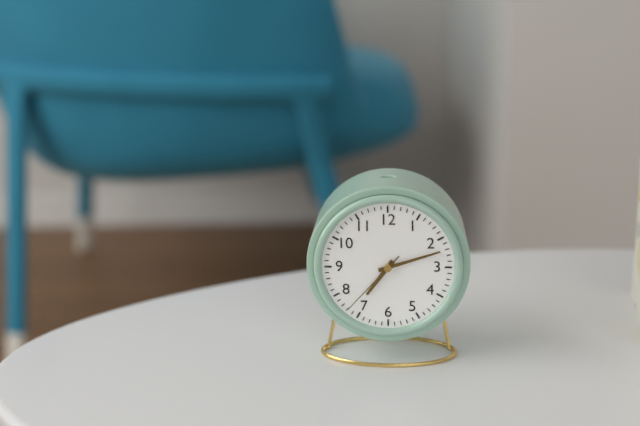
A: 7:12:37
